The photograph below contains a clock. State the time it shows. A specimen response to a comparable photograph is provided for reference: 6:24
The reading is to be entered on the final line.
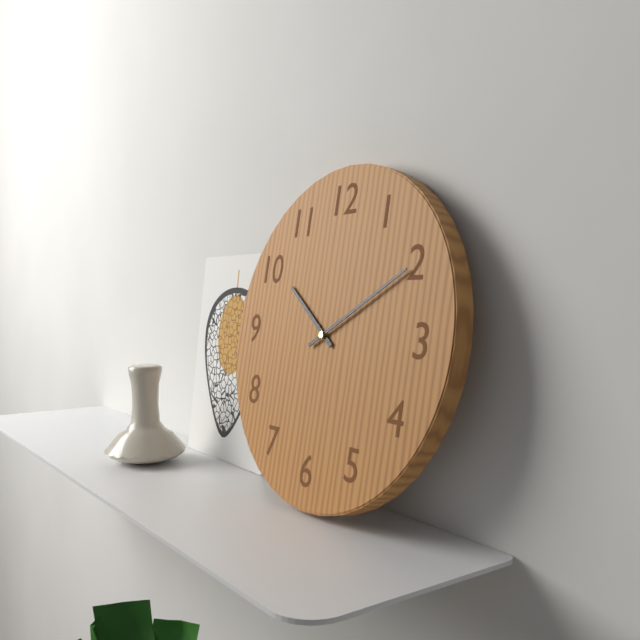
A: 10:10
